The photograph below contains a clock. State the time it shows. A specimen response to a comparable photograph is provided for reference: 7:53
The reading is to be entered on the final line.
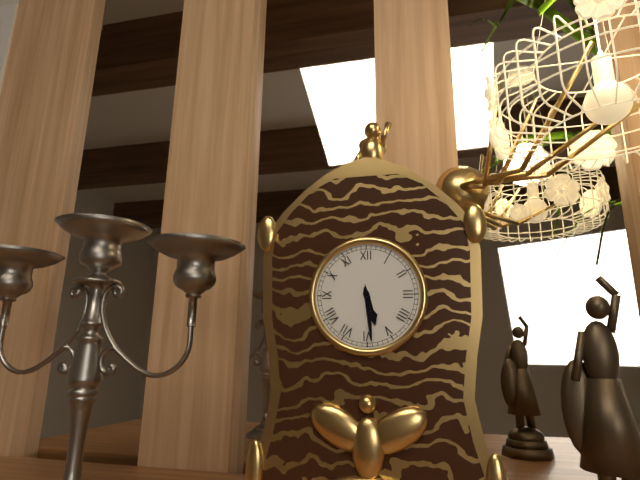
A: 5:29
